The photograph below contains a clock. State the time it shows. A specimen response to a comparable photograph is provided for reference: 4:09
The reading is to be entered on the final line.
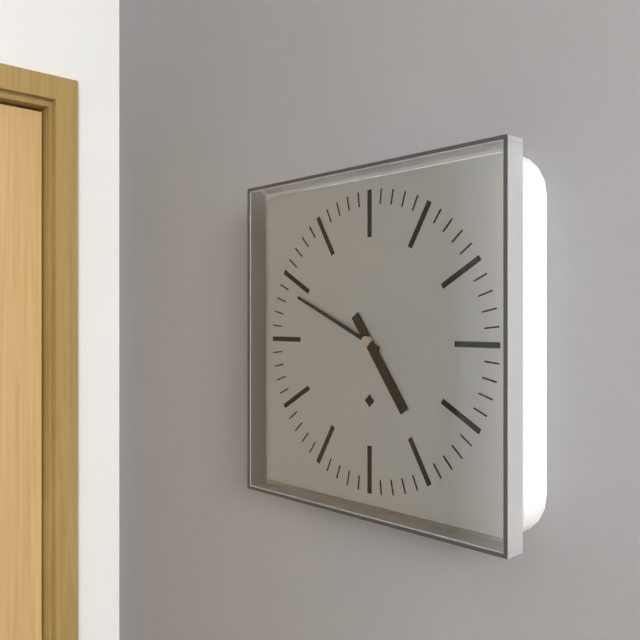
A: 4:49
